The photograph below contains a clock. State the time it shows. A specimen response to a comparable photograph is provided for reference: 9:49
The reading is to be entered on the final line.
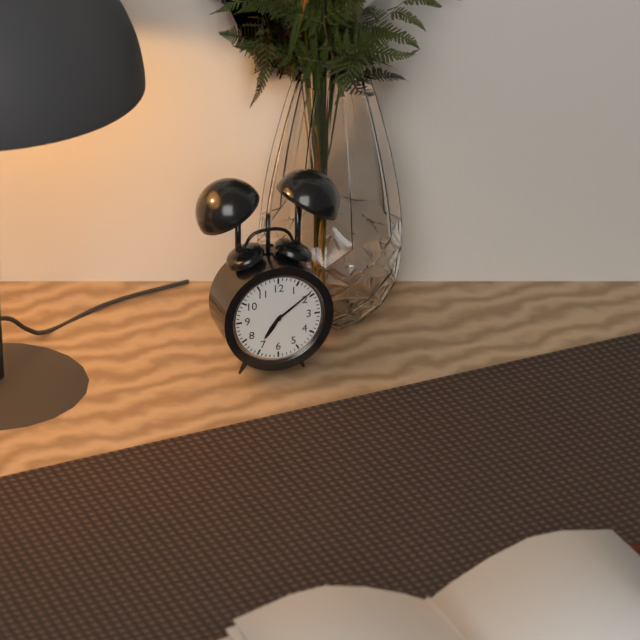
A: 7:09
